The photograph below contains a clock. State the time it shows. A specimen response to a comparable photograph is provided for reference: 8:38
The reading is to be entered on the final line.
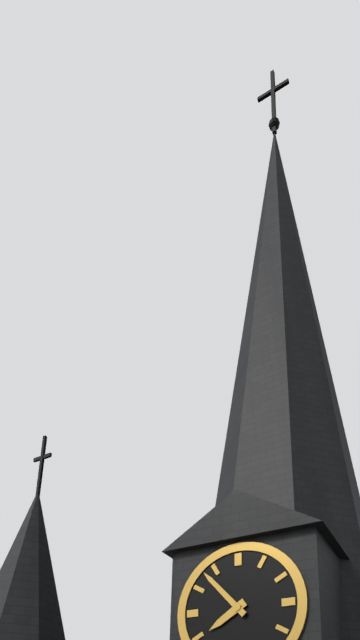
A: 7:53
